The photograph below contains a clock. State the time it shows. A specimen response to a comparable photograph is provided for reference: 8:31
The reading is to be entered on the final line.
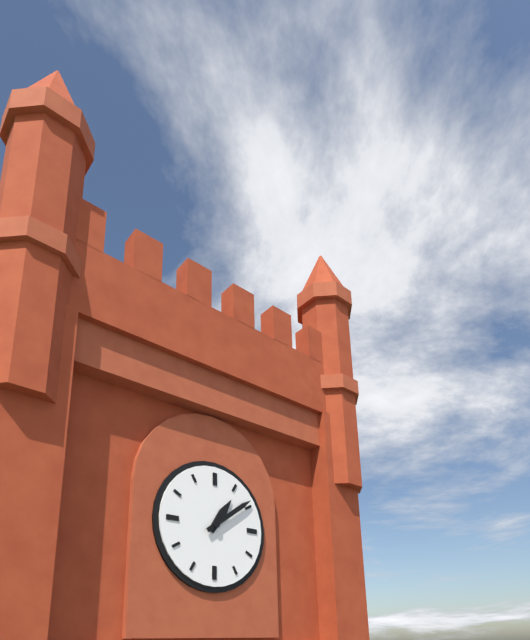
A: 1:09
